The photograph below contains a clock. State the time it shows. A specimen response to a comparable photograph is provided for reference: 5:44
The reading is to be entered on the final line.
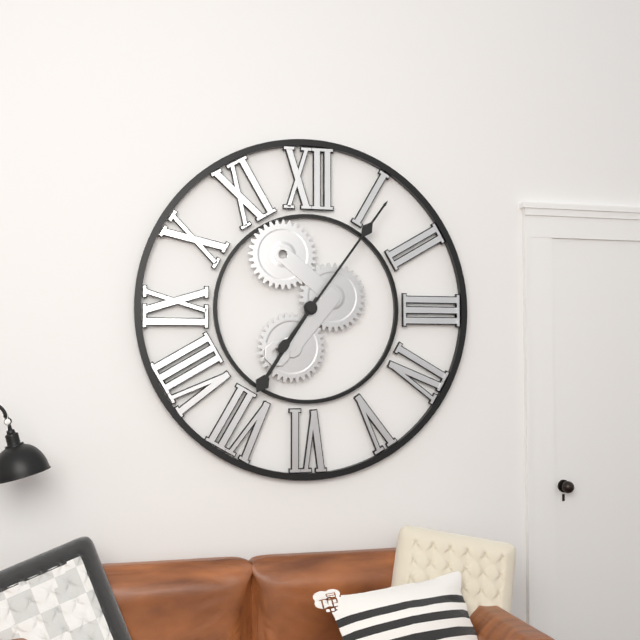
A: 7:06
